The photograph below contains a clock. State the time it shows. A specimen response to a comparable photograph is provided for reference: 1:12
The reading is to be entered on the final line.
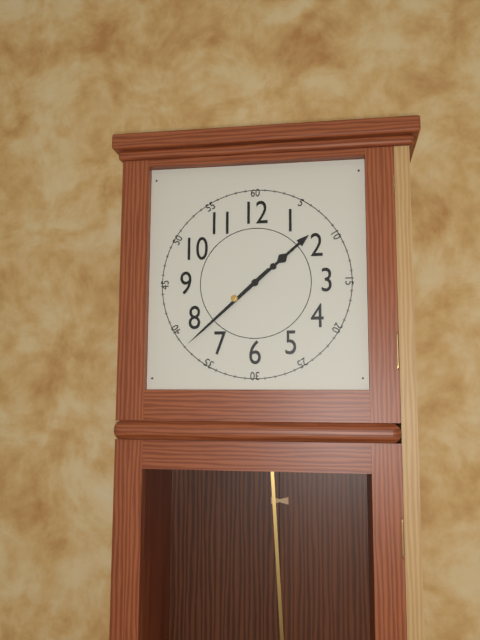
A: 1:38
